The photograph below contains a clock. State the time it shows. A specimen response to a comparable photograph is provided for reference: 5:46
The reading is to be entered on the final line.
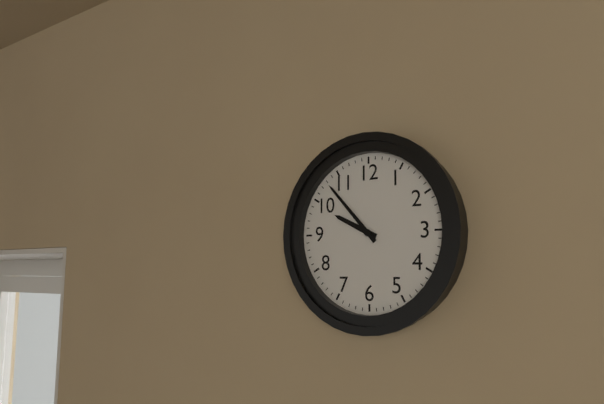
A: 9:53
